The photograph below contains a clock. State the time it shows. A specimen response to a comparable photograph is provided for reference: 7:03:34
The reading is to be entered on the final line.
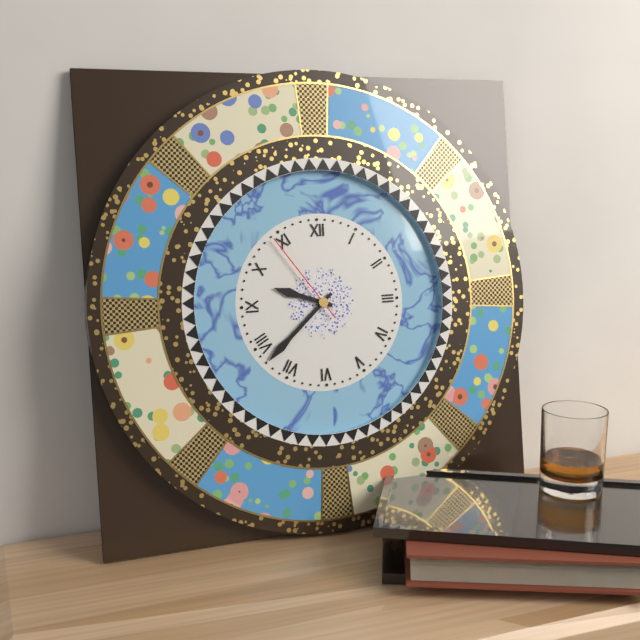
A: 9:38:54
